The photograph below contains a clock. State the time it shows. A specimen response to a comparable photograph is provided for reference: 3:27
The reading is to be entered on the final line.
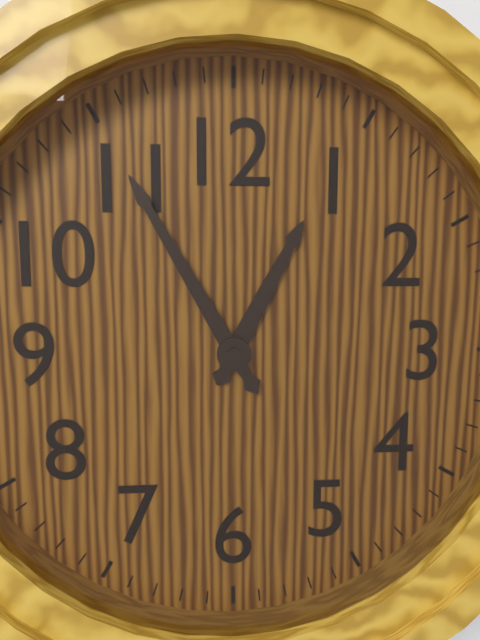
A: 12:55
